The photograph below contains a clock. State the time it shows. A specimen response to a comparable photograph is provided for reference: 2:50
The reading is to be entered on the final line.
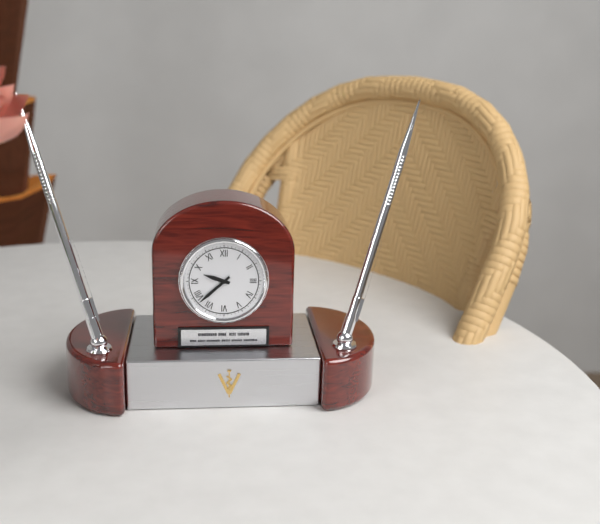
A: 9:38
